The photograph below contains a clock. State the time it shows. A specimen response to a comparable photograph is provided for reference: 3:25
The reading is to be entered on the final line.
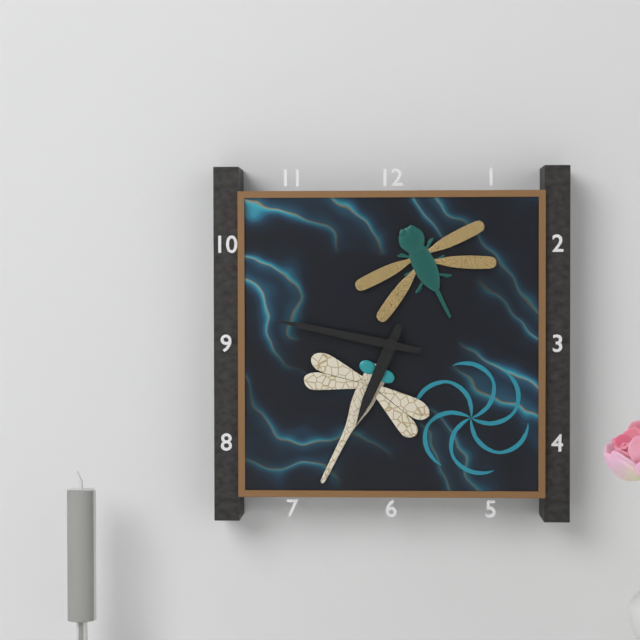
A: 6:47
